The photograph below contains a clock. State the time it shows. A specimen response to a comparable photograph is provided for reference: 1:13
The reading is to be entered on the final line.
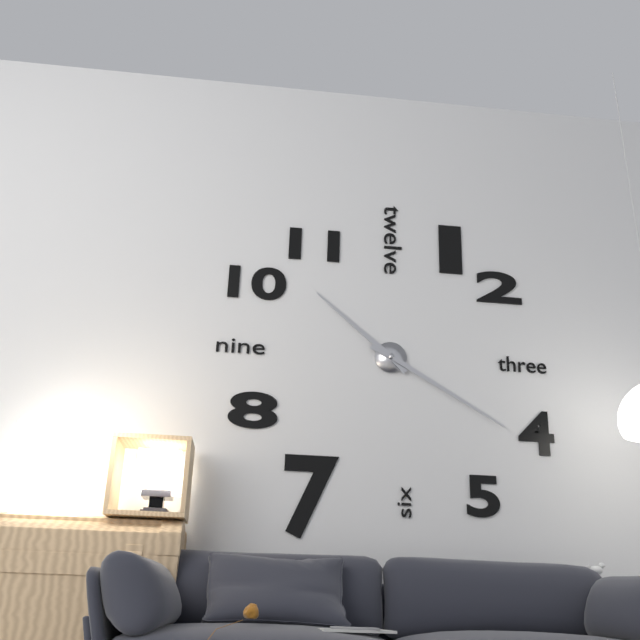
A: 10:20
